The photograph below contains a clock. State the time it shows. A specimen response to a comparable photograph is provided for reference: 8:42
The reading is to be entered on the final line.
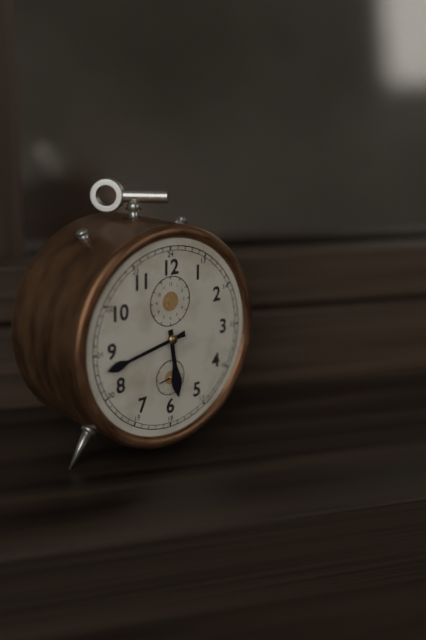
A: 5:43
